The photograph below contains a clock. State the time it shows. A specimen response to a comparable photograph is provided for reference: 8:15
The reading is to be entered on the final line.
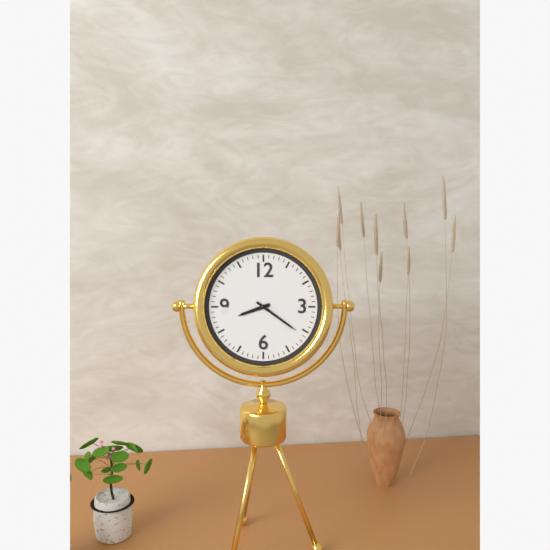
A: 8:21
